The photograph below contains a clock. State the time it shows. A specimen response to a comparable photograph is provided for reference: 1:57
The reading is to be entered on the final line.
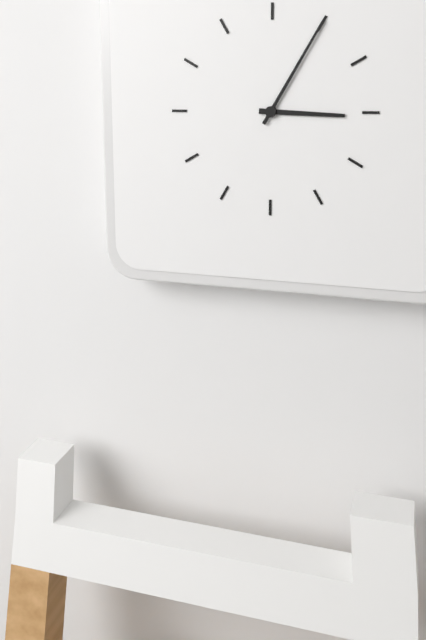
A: 3:05
